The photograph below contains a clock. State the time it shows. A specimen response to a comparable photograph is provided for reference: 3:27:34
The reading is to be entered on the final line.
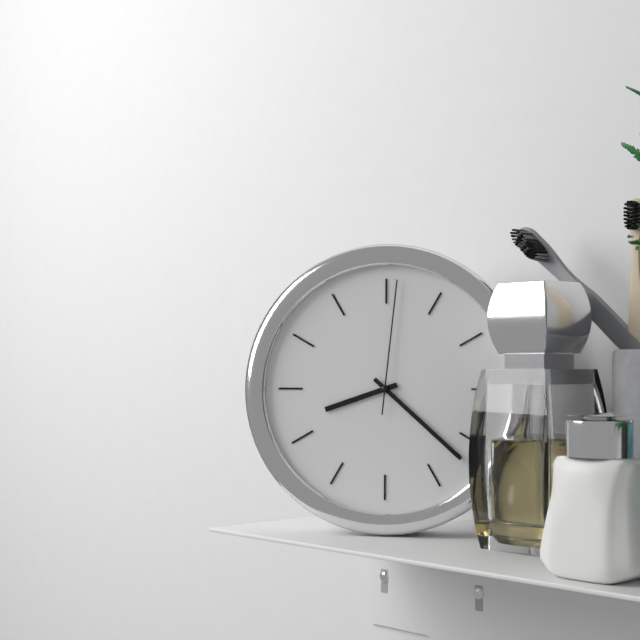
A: 8:22:01
